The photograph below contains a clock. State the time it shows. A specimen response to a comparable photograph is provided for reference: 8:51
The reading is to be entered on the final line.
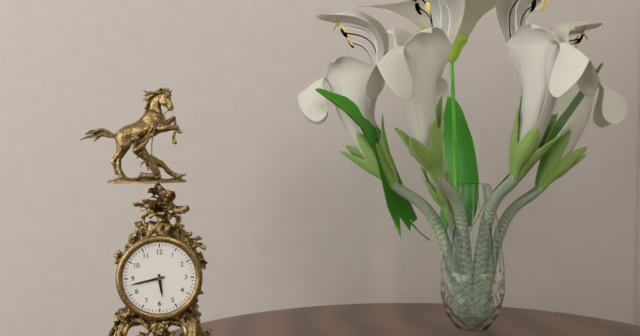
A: 5:43
